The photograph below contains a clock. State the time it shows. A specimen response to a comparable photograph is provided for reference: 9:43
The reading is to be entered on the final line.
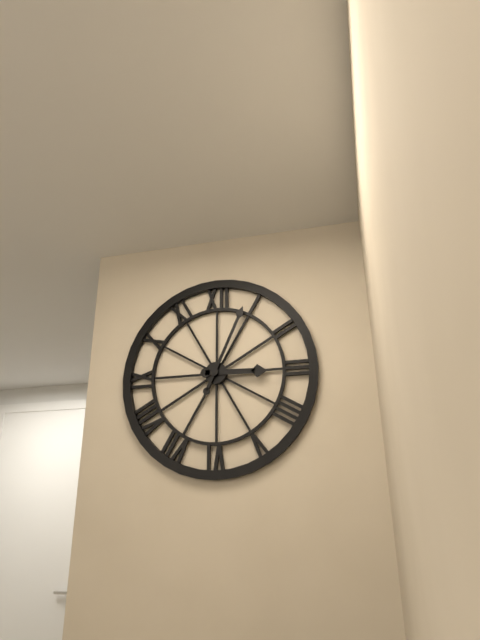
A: 3:04
